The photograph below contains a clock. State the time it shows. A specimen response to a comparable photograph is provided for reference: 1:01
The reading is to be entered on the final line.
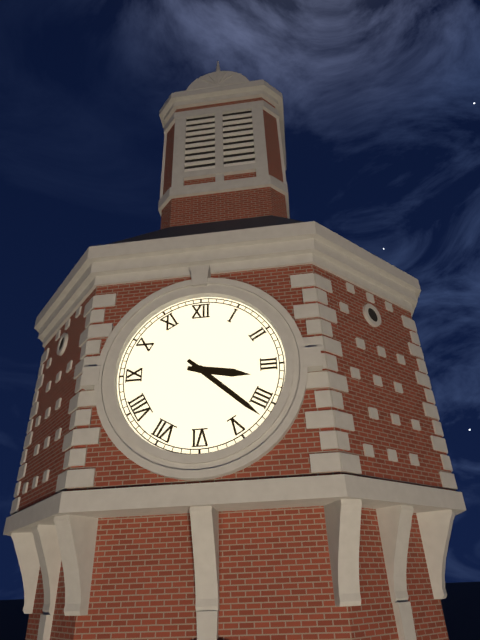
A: 3:22
